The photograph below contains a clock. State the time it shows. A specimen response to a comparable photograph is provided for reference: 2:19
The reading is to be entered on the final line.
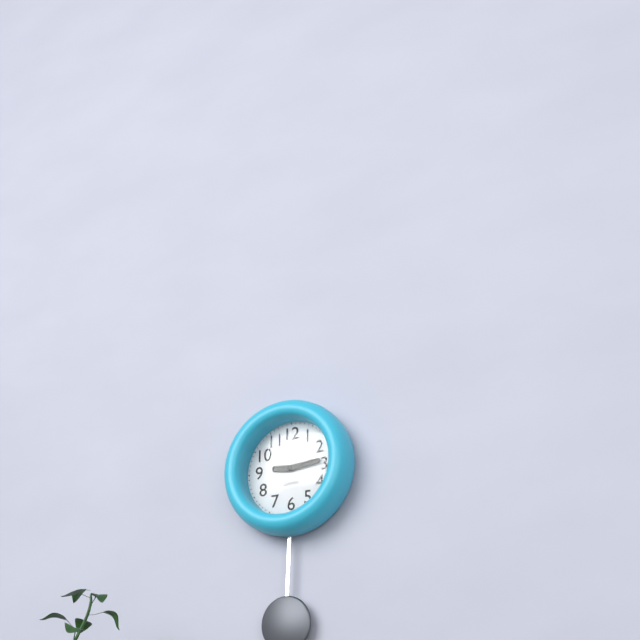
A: 9:14
